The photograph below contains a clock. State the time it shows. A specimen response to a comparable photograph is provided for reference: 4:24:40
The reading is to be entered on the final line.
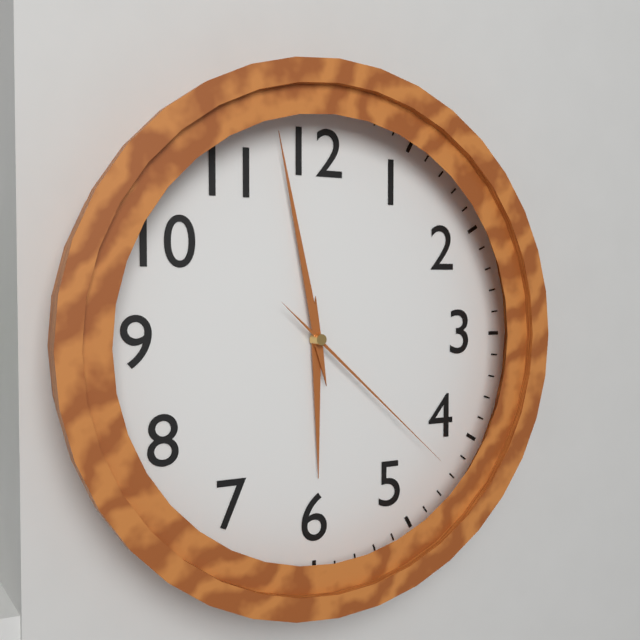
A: 5:58:22
